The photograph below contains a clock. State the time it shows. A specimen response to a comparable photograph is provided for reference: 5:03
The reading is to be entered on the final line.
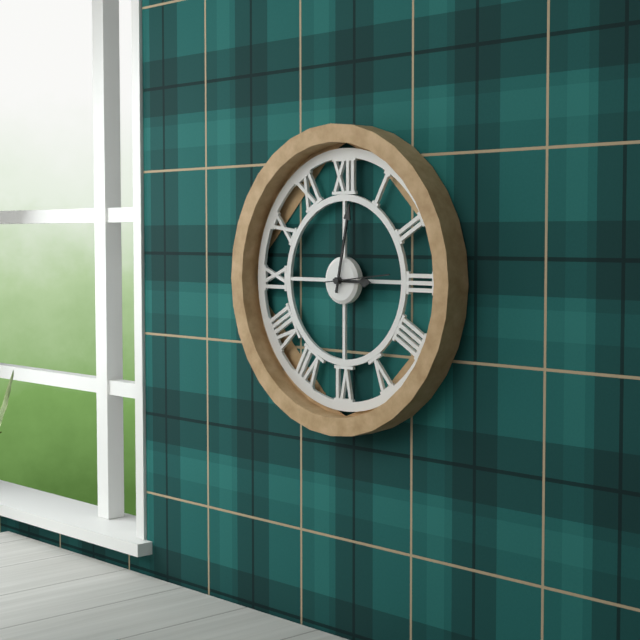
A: 3:02
